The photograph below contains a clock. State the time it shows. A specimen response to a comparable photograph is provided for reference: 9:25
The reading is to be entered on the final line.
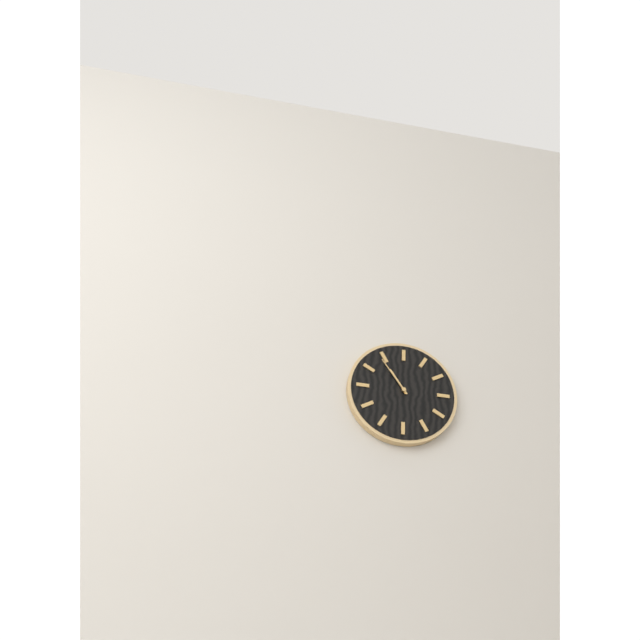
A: 10:54
